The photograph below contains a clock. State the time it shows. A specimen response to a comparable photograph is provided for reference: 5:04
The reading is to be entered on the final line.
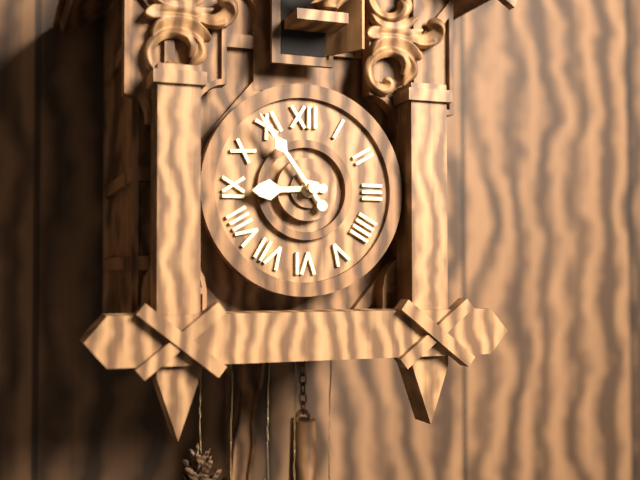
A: 8:54
